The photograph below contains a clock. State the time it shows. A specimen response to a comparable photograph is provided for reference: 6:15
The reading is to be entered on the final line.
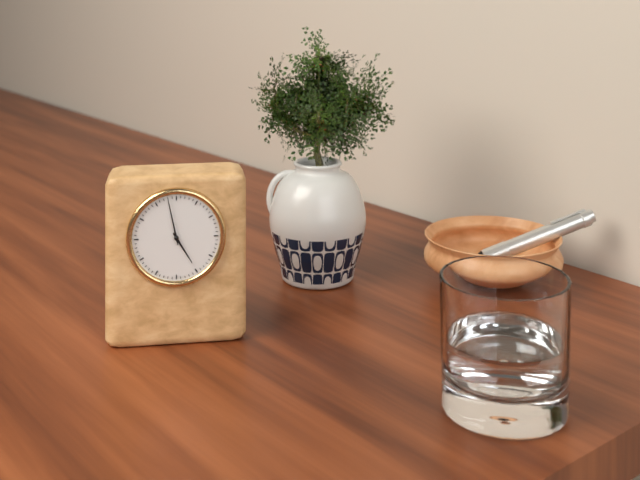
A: 4:58
